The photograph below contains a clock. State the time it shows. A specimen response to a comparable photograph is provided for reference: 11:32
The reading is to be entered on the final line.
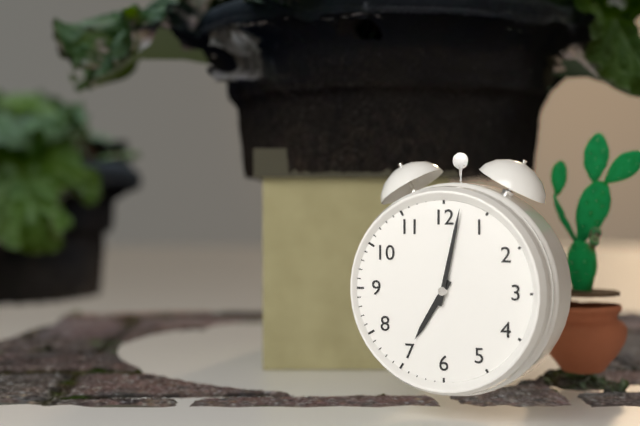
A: 7:02
